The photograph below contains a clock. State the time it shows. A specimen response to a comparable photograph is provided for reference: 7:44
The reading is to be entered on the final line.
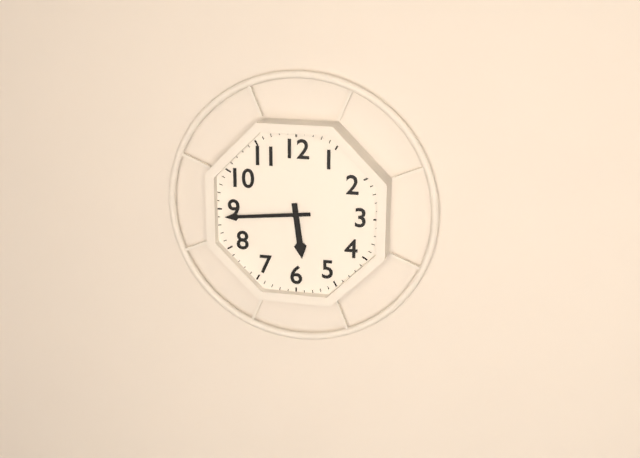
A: 5:44
